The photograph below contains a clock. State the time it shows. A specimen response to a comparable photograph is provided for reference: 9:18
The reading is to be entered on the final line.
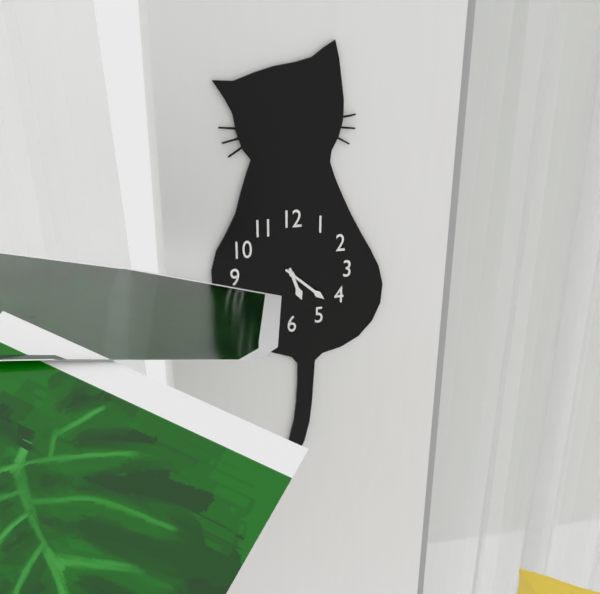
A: 5:22
